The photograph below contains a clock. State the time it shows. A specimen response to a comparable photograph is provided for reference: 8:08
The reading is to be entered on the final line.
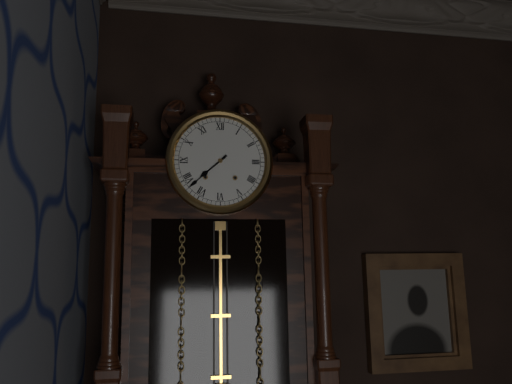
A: 7:38
